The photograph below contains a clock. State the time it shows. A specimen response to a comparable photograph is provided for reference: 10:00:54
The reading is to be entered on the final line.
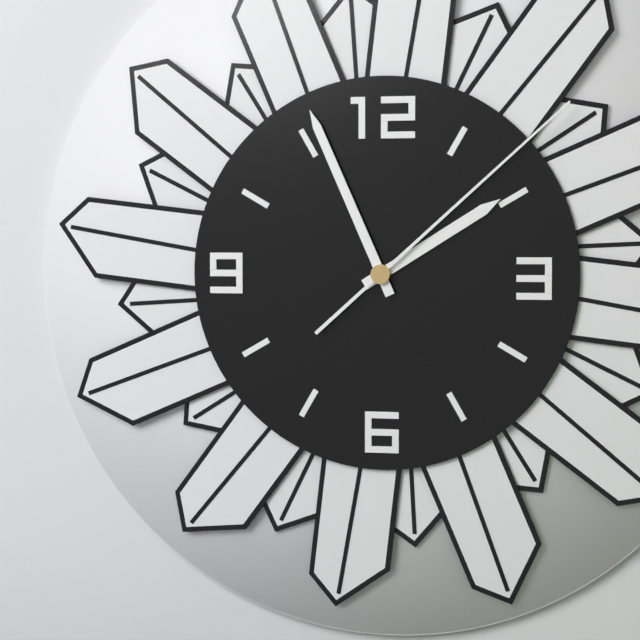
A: 1:56:08
